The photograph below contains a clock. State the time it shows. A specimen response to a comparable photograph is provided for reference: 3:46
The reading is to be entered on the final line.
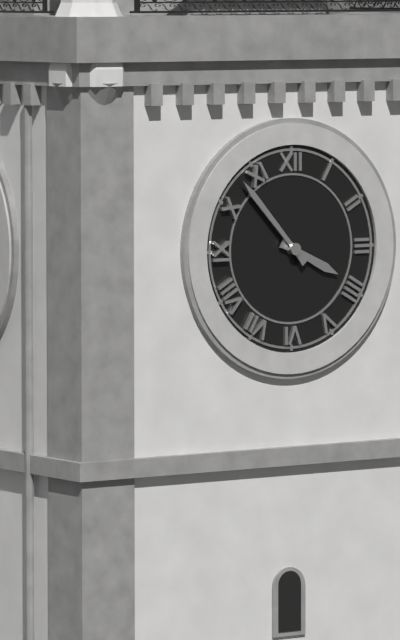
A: 3:53
